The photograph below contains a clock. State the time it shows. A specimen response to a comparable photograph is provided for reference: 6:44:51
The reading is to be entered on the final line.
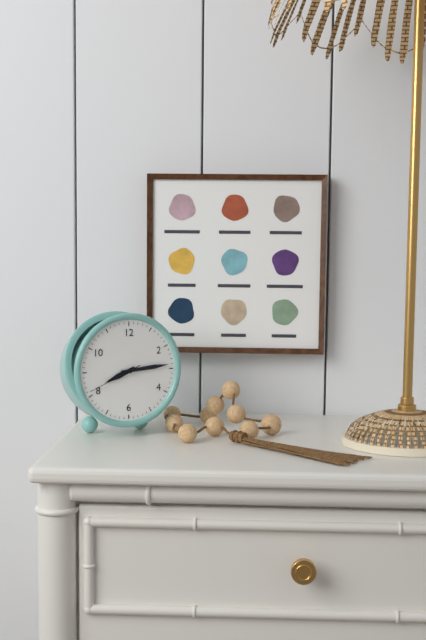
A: 8:14:41
